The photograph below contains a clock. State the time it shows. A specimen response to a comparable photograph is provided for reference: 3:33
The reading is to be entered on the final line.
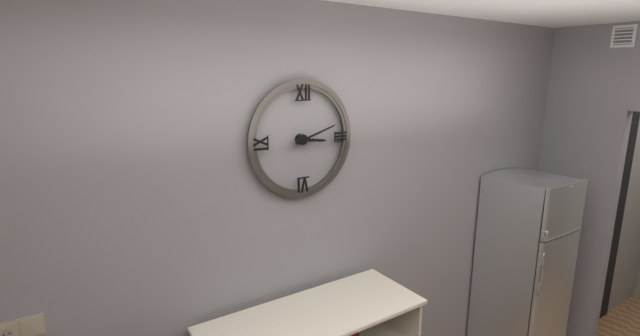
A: 3:12
